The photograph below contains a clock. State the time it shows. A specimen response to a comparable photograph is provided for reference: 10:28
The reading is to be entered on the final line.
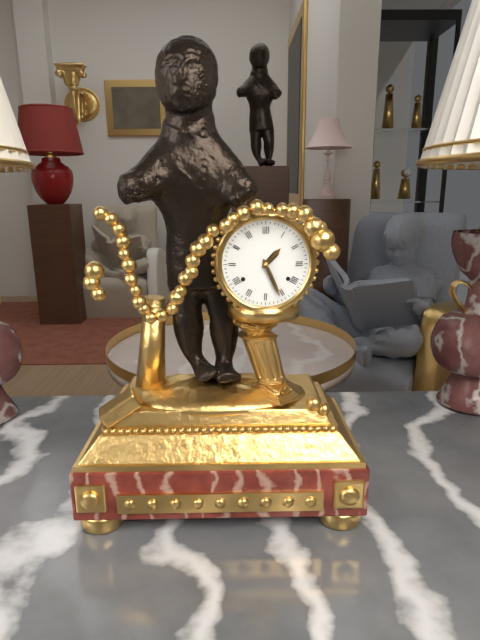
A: 1:26
